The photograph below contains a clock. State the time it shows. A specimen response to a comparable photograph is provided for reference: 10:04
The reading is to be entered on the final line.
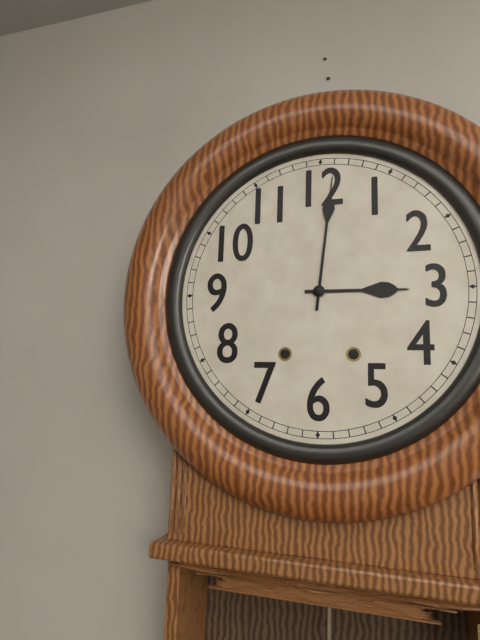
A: 3:01
